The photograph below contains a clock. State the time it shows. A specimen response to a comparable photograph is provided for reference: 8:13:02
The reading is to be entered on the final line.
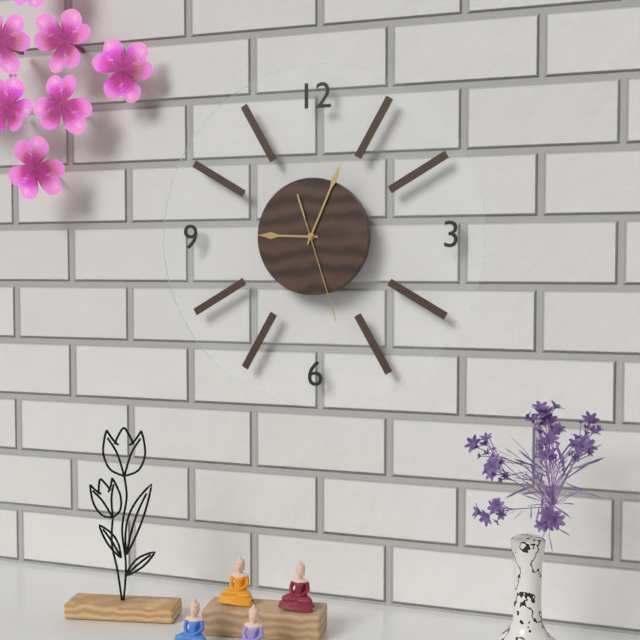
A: 9:04:27
